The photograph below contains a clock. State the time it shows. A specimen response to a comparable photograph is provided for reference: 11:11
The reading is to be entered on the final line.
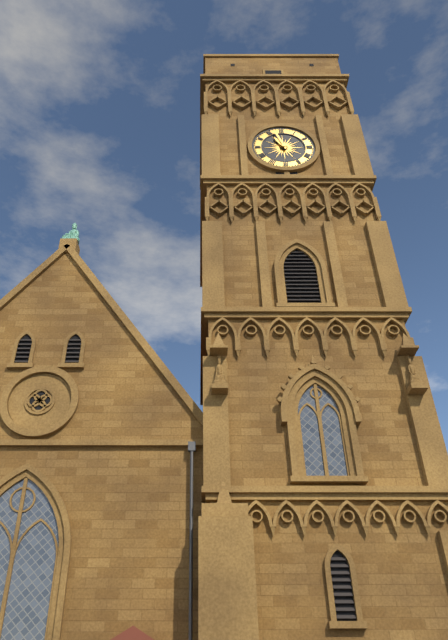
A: 10:57
